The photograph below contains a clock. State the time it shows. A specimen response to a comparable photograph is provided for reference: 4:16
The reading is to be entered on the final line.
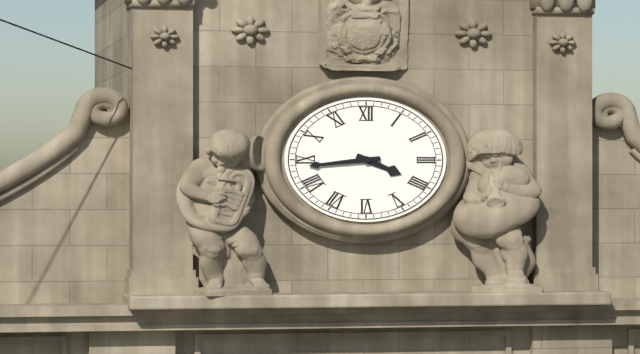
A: 3:44
